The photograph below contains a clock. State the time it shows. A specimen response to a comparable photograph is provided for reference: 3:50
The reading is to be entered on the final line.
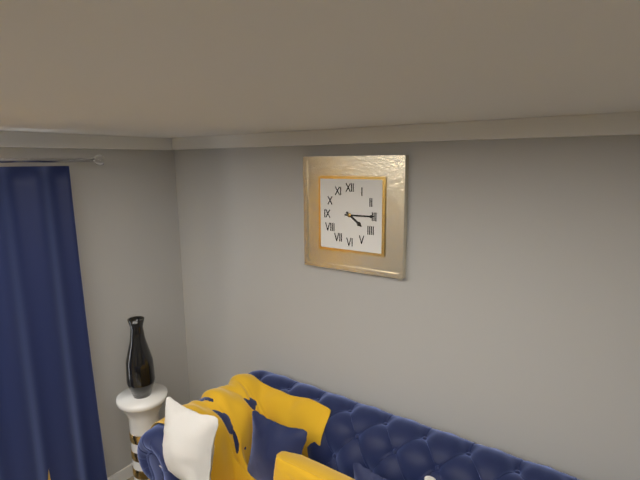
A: 4:15
